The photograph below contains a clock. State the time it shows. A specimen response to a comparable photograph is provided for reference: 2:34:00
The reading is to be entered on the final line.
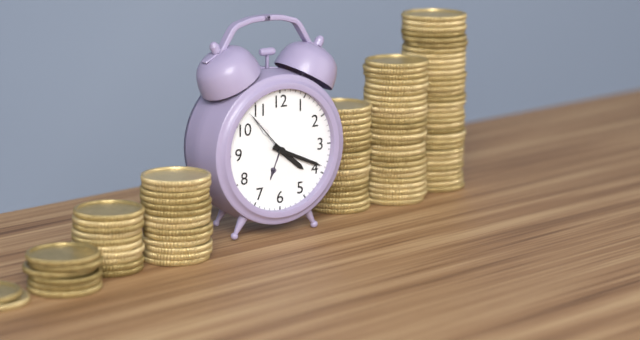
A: 4:19:53
